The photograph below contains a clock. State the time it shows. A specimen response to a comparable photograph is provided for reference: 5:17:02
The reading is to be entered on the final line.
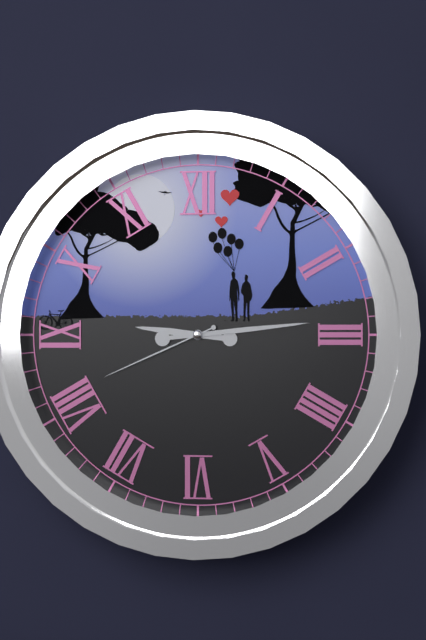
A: 9:14:41
